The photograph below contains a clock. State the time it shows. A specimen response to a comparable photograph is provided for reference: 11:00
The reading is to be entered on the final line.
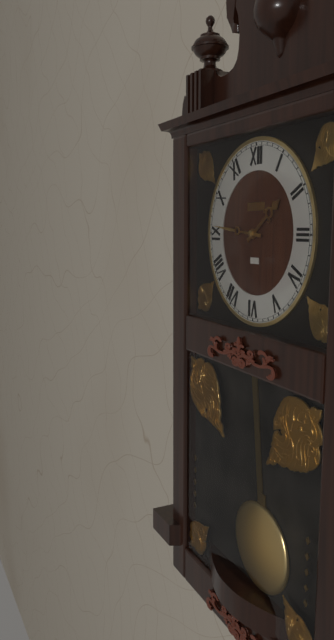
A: 1:46
